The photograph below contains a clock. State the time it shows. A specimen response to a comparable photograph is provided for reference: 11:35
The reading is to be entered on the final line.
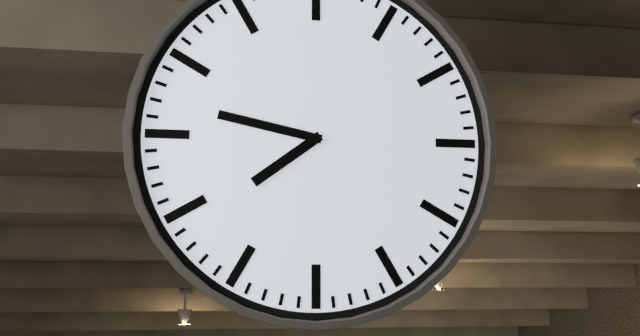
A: 7:47
